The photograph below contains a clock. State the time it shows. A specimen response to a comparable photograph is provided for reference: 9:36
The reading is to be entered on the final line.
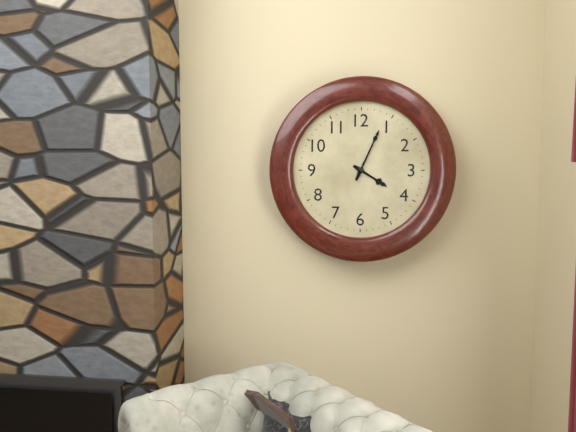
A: 4:04
